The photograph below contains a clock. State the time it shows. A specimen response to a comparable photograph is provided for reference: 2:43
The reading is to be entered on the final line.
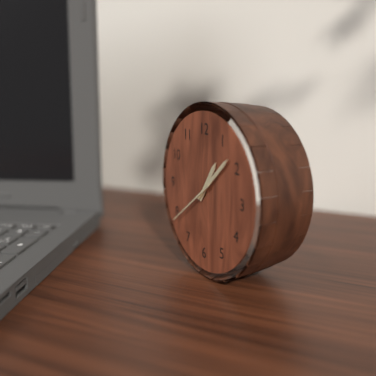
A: 1:08
